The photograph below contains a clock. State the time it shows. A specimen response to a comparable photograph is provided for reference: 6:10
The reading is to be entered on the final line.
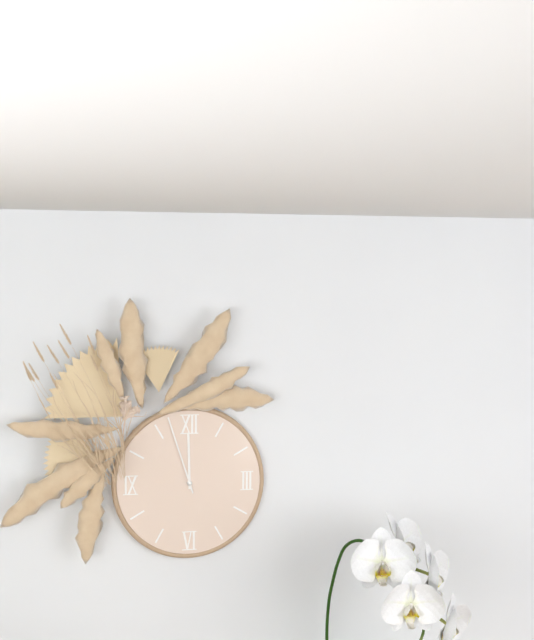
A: 11:57
